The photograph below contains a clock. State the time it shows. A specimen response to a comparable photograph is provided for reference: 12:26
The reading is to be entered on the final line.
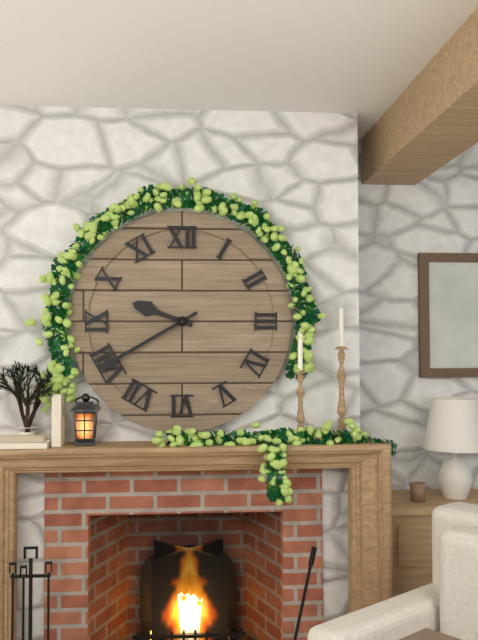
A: 9:40
